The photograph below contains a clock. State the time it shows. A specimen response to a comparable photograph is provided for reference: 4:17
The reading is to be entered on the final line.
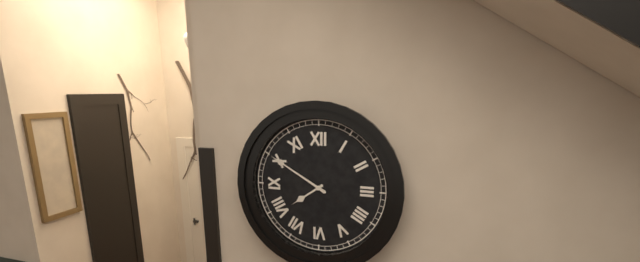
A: 7:50
